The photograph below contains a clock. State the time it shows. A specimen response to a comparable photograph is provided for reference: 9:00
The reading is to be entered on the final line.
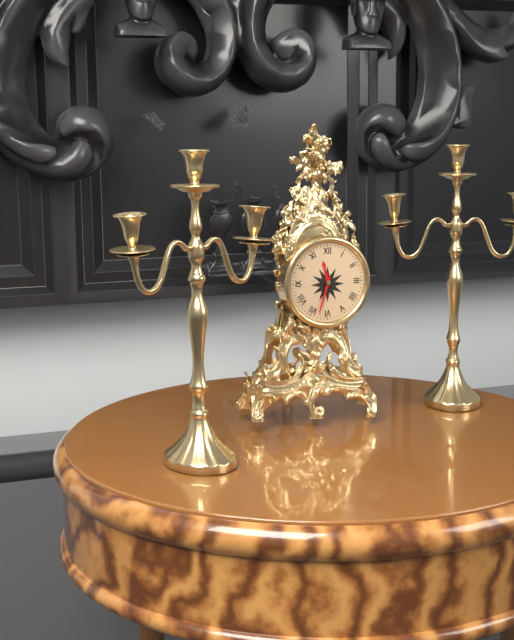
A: 11:33
